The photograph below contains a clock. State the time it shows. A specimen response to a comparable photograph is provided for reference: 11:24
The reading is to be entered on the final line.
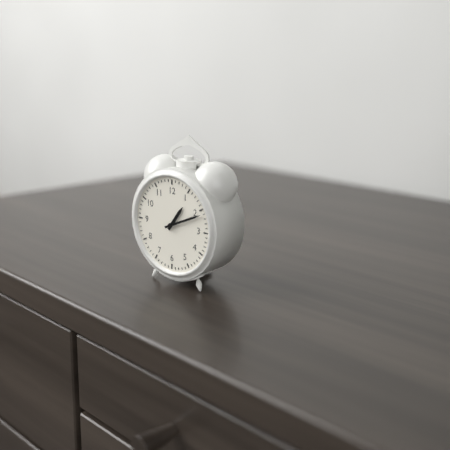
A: 1:11
